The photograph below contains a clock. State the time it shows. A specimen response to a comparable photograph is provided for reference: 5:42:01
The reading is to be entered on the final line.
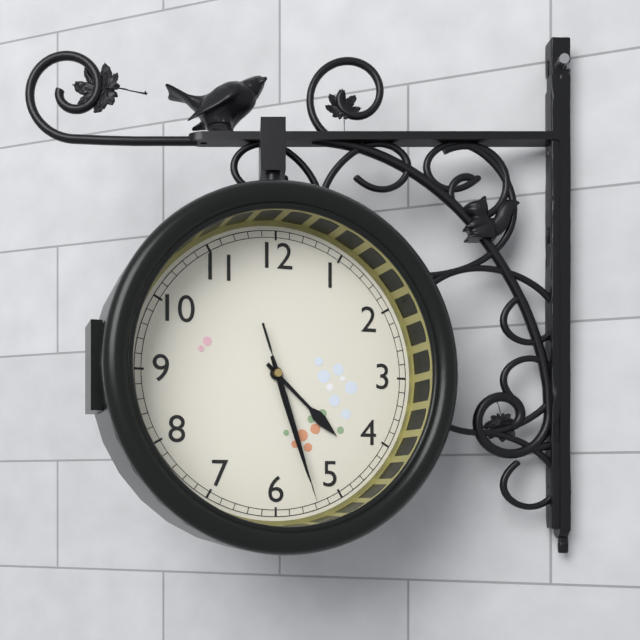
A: 4:27:27
